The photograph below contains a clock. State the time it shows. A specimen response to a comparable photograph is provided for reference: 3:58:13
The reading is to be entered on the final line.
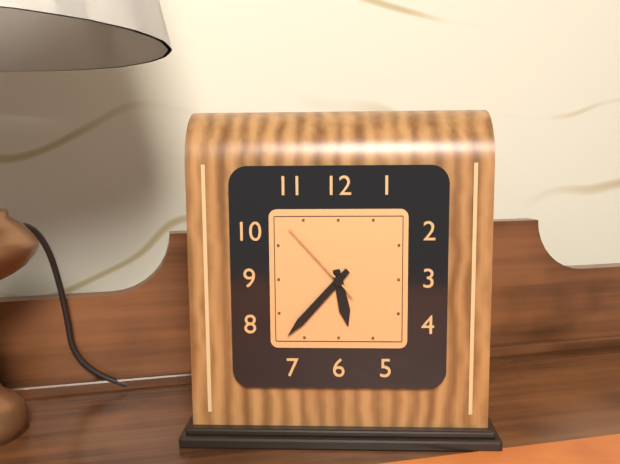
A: 5:37:53
